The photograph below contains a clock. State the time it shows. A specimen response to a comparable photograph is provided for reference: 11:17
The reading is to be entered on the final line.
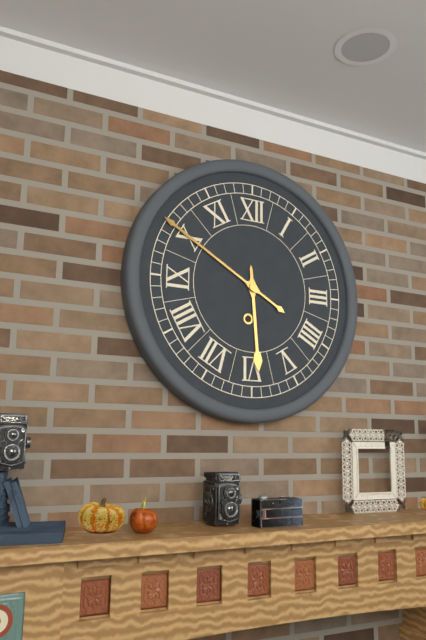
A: 5:50
